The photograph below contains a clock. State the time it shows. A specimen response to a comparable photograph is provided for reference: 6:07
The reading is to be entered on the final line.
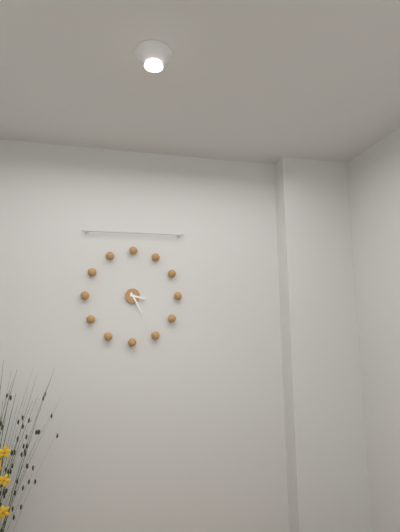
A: 3:25
